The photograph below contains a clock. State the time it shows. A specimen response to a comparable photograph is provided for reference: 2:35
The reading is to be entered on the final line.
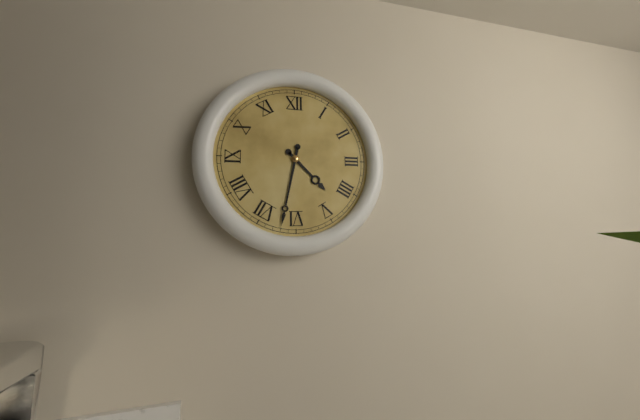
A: 4:32
